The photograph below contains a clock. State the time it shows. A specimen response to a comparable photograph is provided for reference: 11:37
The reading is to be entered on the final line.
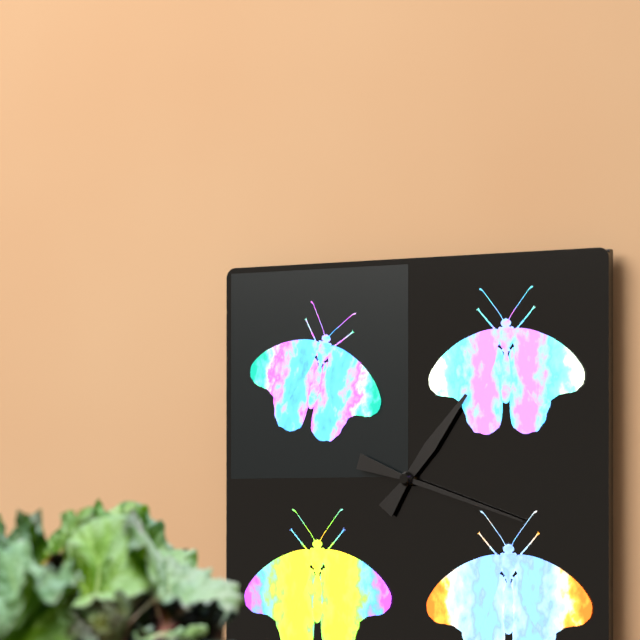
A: 1:18
